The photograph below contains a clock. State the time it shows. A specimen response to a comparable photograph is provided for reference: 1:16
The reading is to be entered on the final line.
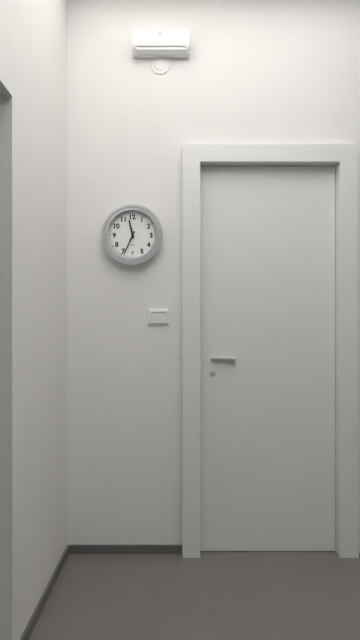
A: 11:34
